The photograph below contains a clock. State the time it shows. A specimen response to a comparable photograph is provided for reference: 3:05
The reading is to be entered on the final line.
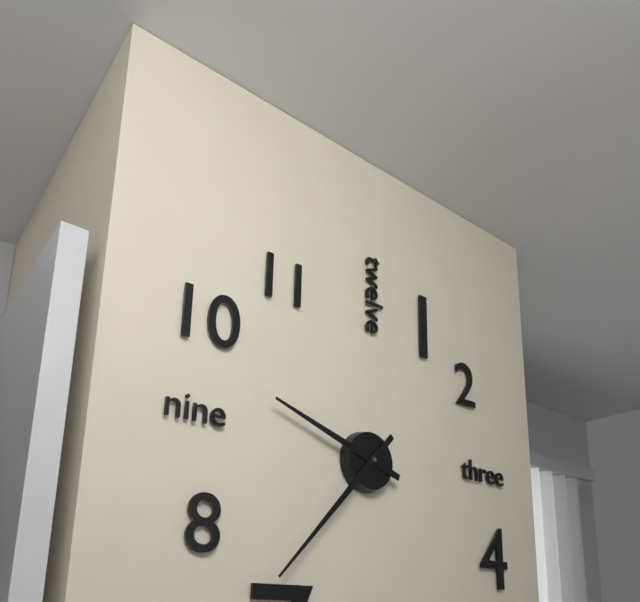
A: 9:37
